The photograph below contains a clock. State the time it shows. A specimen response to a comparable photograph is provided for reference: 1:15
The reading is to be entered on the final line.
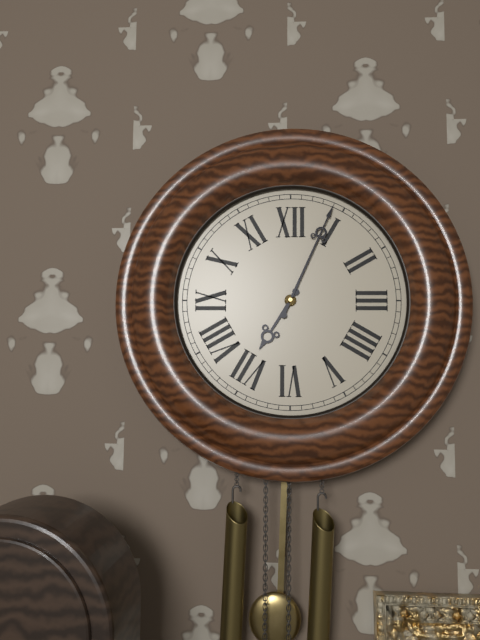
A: 7:04
